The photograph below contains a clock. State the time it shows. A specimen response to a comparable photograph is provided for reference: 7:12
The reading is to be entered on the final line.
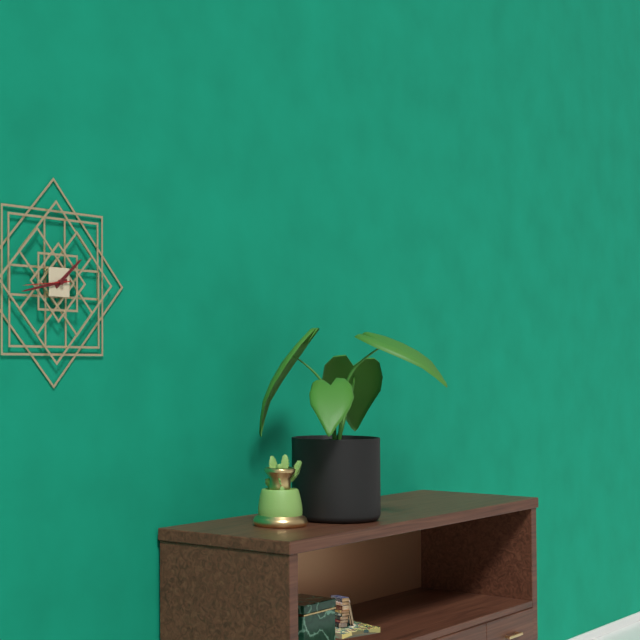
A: 1:43
